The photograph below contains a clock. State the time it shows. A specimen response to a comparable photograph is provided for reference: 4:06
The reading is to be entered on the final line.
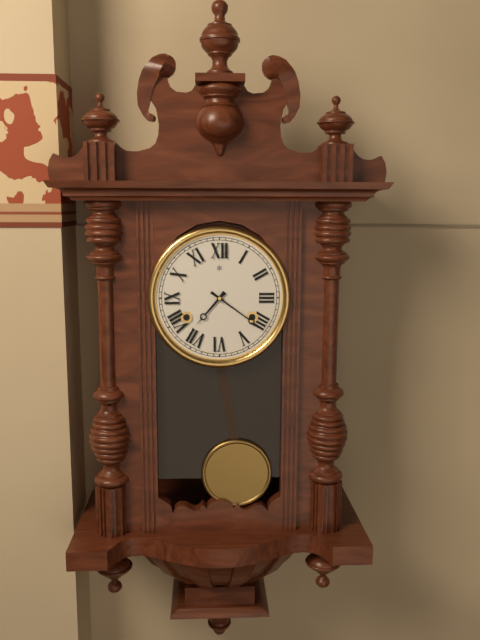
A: 7:21
